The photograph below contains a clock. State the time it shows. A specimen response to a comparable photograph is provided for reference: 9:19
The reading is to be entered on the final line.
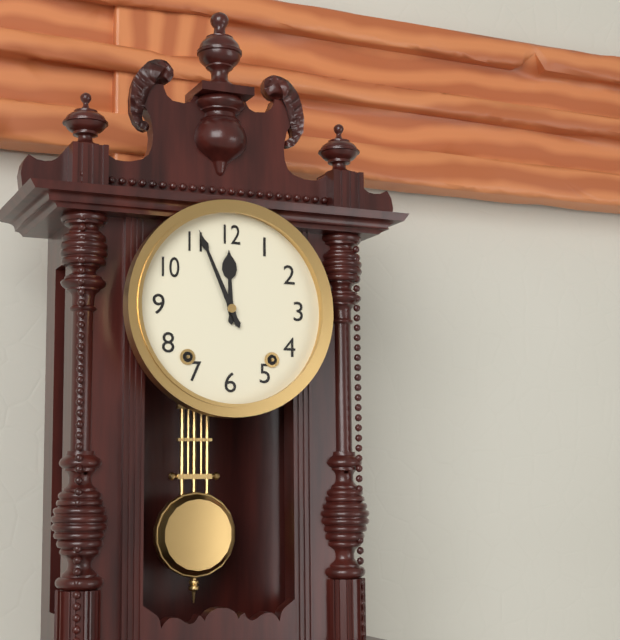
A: 11:56
